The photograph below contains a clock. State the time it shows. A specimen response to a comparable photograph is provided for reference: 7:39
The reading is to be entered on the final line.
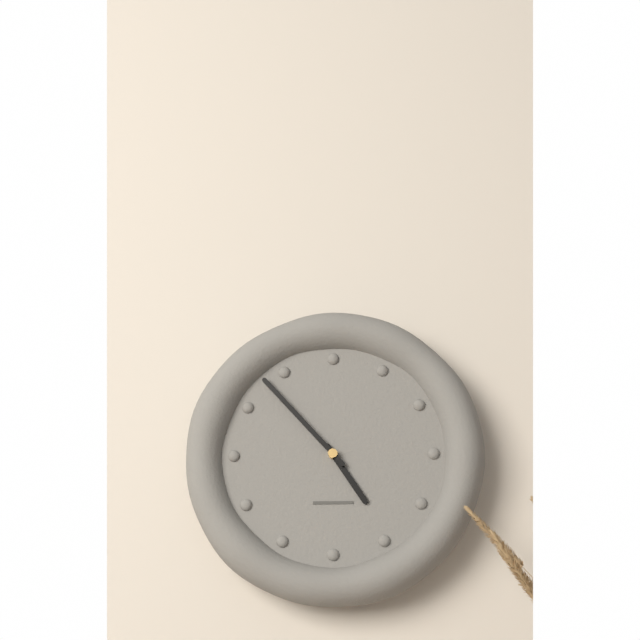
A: 4:53
